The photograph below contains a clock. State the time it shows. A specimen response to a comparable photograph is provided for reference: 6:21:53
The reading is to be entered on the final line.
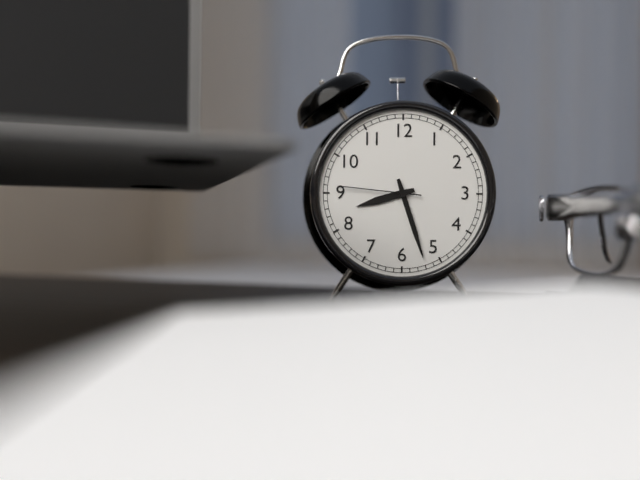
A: 8:27:46
